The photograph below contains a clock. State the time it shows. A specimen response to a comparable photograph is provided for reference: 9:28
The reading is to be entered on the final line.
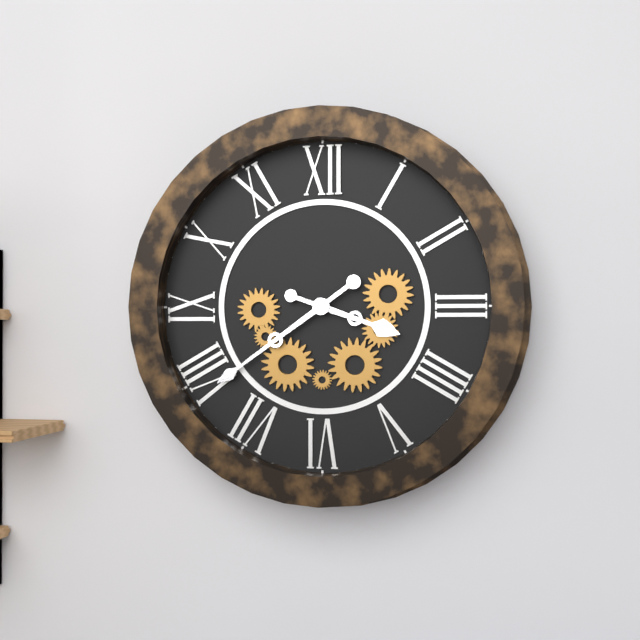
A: 3:39
